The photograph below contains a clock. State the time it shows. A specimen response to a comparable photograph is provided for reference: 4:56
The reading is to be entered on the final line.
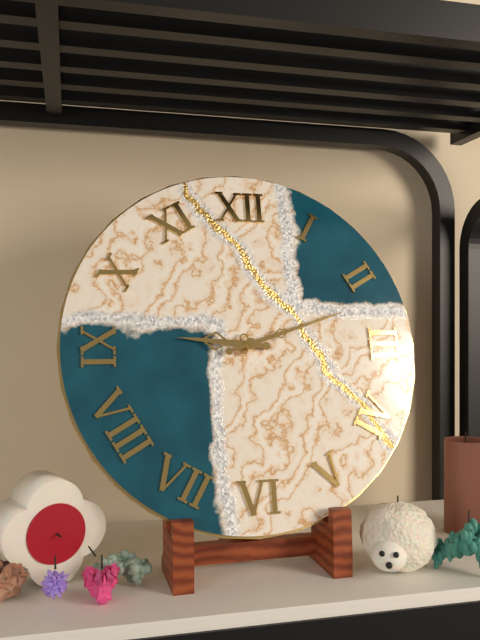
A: 9:12
